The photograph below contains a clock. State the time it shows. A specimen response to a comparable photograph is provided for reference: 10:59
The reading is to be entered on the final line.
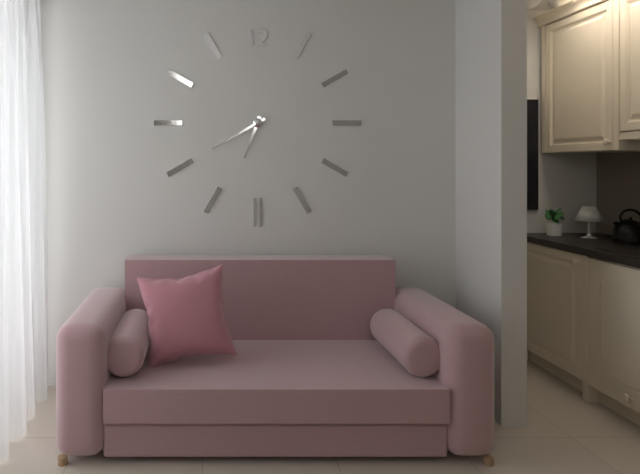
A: 6:40
